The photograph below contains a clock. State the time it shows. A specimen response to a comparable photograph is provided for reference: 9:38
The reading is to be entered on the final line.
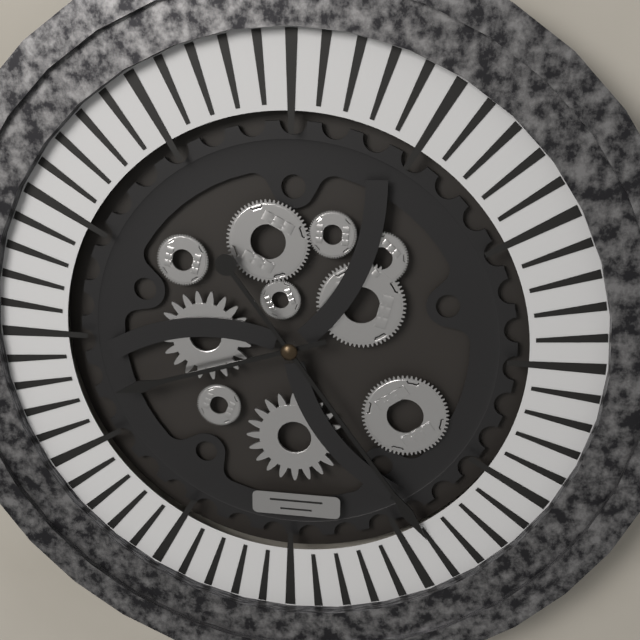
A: 8:24
